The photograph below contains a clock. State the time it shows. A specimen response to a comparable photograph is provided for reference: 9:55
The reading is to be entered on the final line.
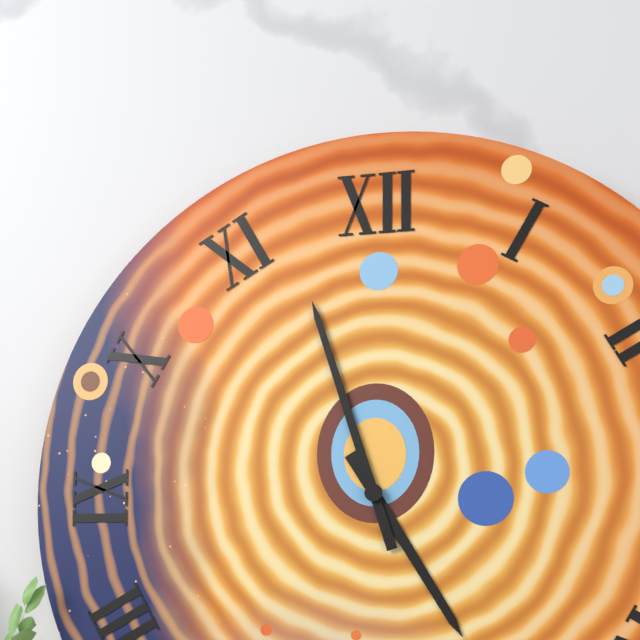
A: 4:57
